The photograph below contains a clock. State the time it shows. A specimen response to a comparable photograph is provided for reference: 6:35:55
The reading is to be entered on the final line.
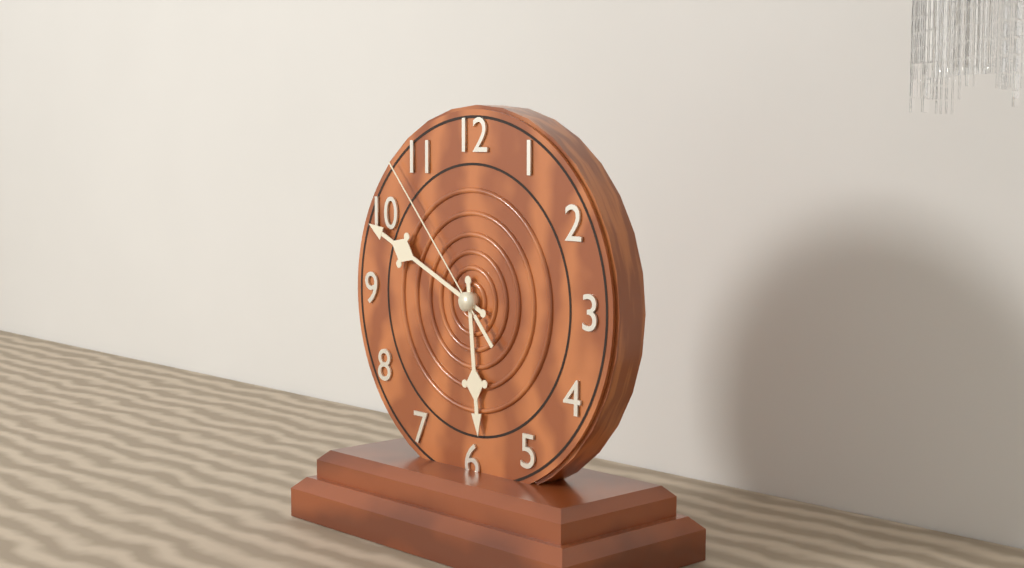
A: 5:49:53
